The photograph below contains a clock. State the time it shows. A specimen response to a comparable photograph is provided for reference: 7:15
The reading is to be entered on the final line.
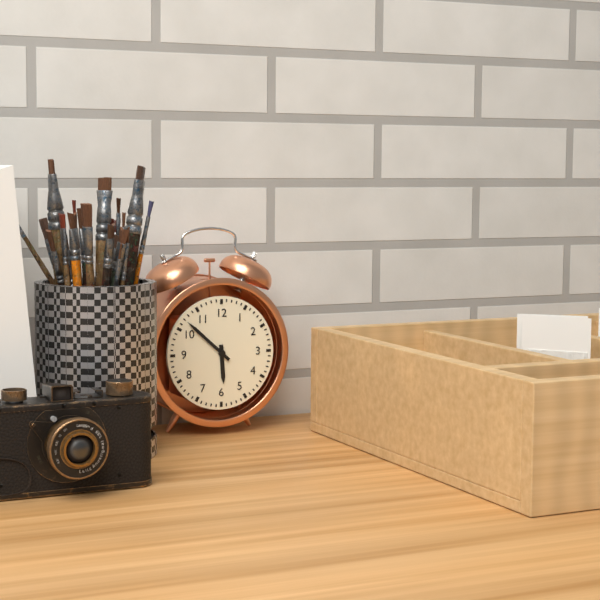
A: 5:52
